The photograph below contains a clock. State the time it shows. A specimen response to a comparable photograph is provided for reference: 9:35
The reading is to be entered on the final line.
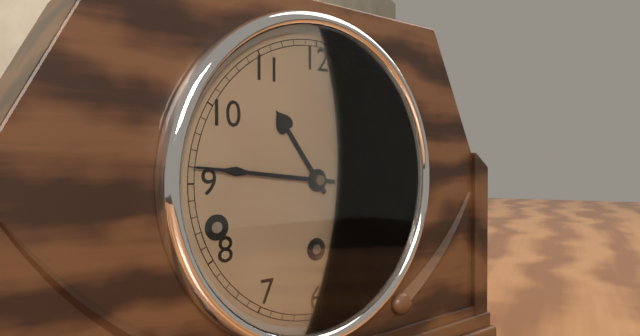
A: 10:46
